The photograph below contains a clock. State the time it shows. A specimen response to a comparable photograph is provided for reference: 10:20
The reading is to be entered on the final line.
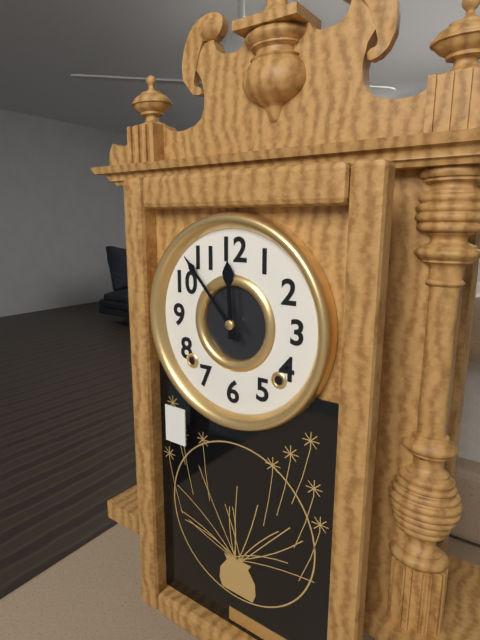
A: 11:53
